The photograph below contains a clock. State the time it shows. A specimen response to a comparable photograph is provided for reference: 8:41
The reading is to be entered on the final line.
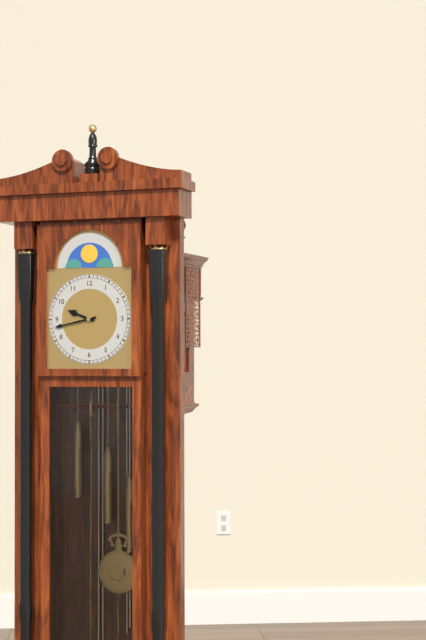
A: 9:43
